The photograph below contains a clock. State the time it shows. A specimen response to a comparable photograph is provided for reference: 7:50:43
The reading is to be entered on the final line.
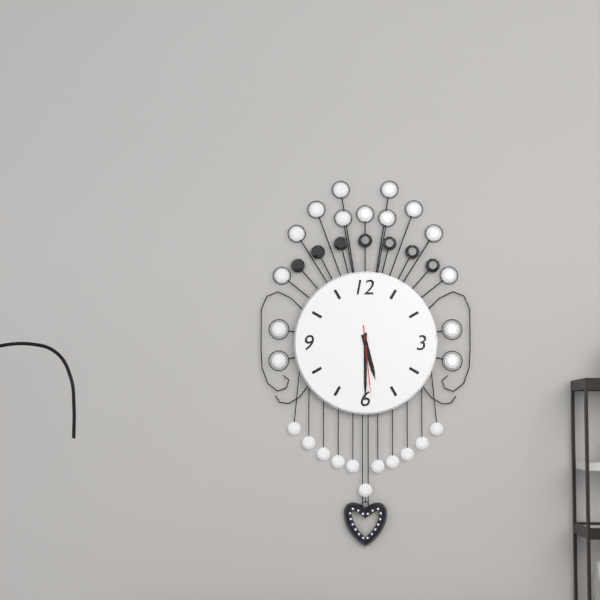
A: 5:30:29
